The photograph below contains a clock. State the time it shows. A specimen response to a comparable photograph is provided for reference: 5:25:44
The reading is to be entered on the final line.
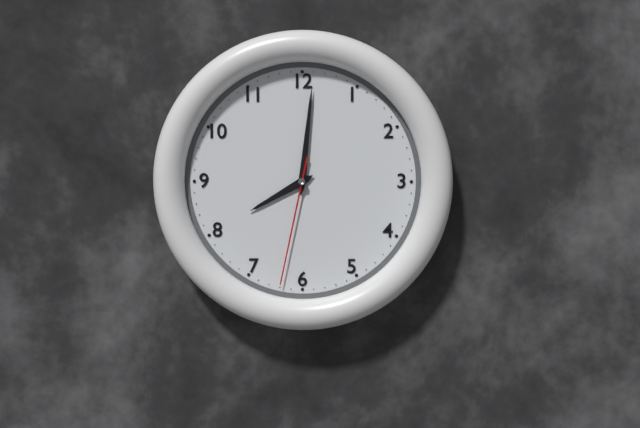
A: 8:01:32
